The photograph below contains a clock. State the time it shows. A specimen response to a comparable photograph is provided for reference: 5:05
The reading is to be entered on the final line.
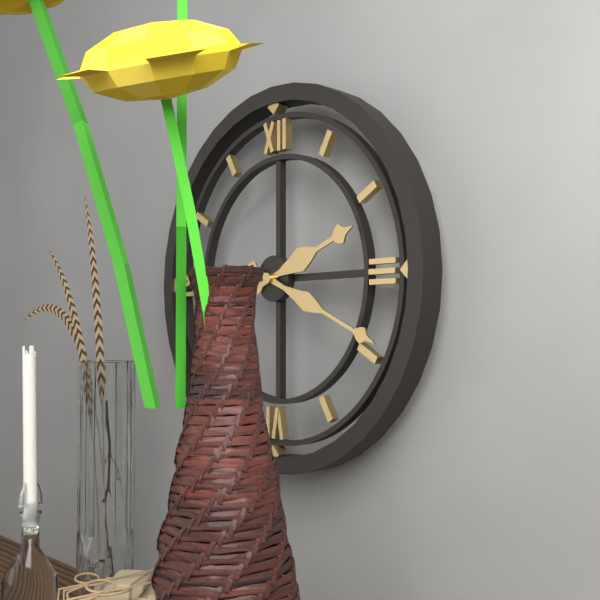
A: 2:19
